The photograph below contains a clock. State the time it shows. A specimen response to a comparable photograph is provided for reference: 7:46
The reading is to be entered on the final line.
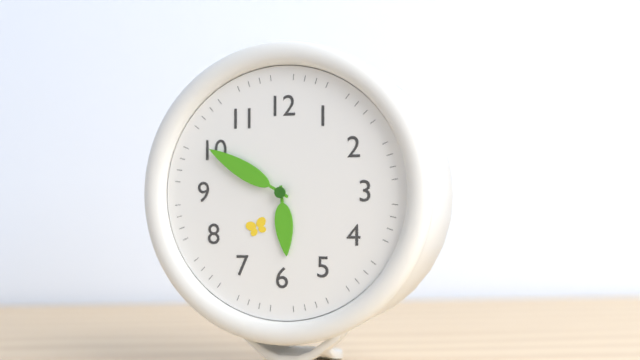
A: 5:50
